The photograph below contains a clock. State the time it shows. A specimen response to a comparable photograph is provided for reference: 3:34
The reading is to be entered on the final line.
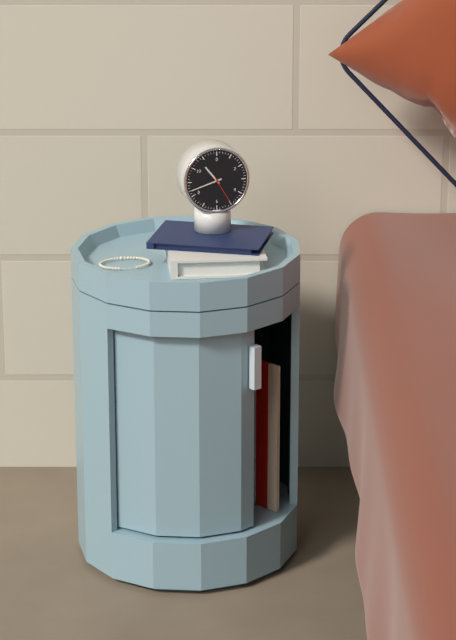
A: 10:42
